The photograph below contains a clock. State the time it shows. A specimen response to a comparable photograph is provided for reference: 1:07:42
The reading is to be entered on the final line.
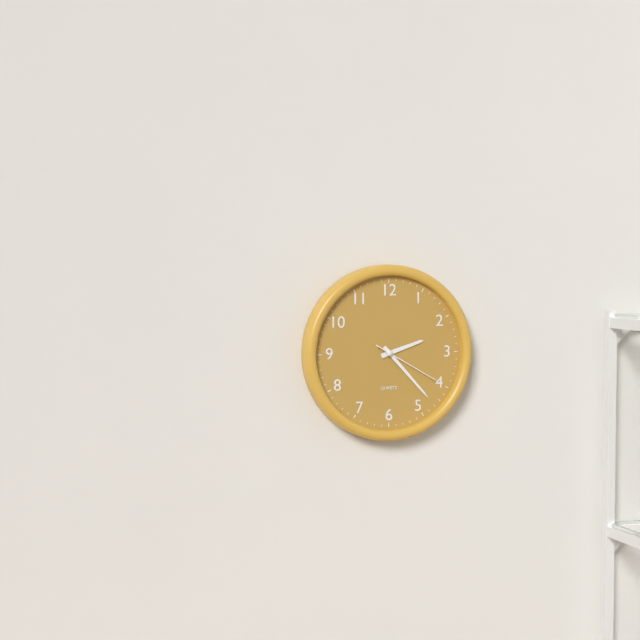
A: 2:23:20
